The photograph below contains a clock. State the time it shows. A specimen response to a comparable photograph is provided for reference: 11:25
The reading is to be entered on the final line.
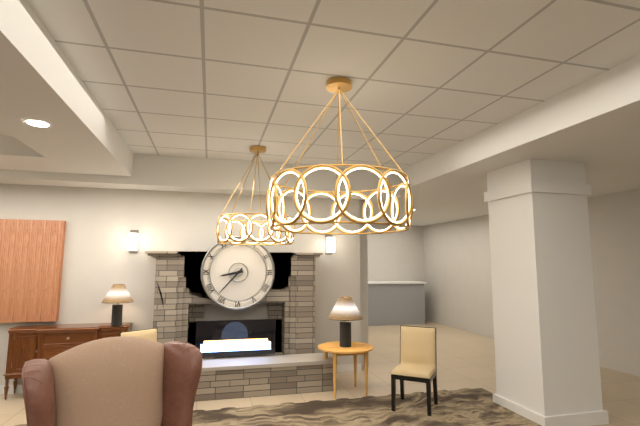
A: 8:37
